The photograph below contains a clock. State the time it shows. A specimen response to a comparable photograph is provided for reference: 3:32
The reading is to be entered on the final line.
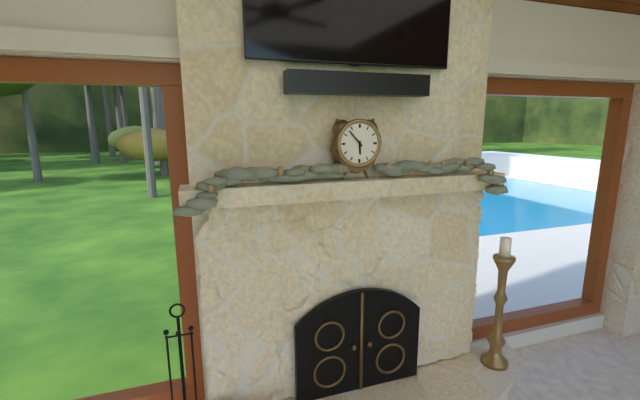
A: 5:53
